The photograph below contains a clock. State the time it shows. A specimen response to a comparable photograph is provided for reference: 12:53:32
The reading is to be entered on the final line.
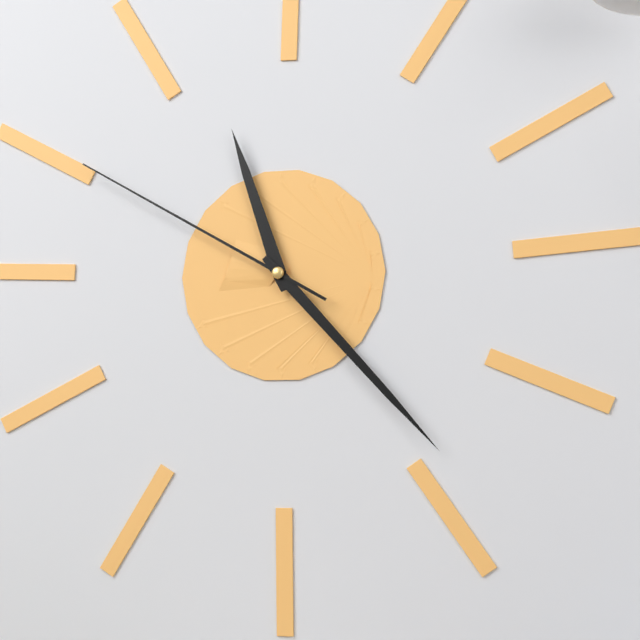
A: 11:23:50
